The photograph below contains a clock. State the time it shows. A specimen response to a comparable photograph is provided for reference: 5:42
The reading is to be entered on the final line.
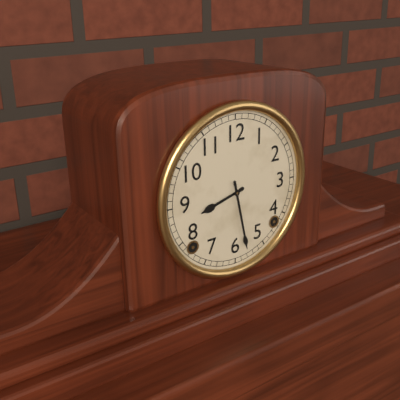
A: 8:28
